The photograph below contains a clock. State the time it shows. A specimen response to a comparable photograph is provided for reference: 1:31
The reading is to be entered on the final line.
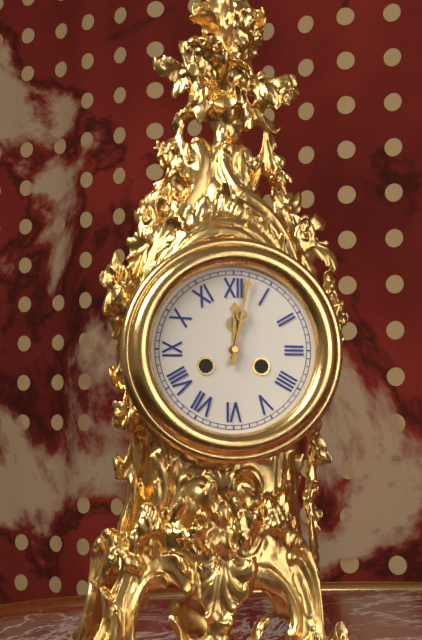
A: 12:02
